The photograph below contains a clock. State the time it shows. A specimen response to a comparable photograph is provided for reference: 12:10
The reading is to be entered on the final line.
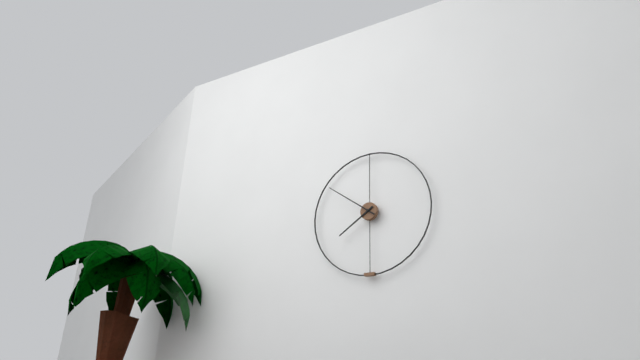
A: 7:51
